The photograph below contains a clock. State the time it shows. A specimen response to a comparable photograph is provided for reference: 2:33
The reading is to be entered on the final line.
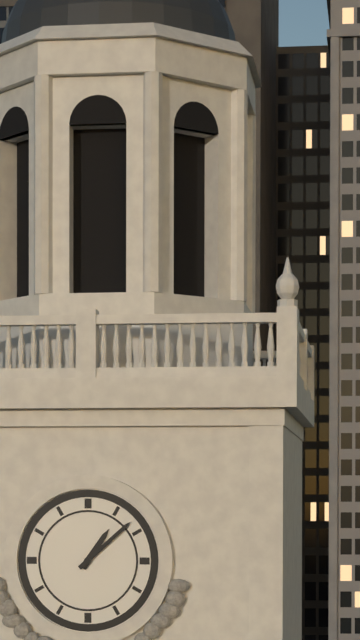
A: 1:08
